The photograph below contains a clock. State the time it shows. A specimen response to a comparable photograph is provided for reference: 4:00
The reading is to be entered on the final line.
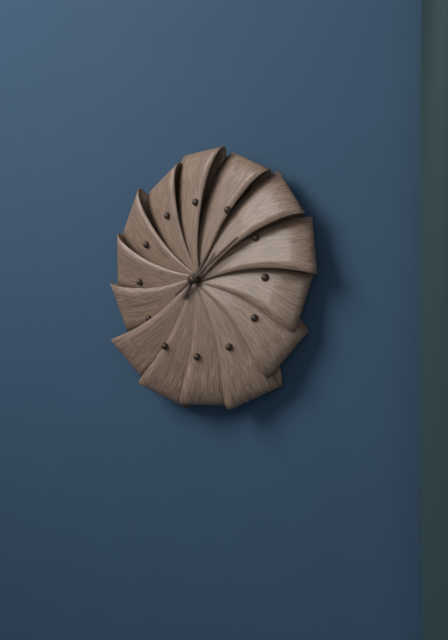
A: 1:09
